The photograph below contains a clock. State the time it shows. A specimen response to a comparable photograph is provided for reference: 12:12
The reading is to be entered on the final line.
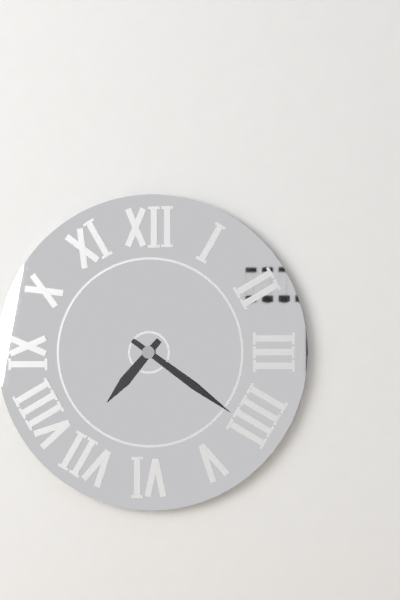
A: 7:21
